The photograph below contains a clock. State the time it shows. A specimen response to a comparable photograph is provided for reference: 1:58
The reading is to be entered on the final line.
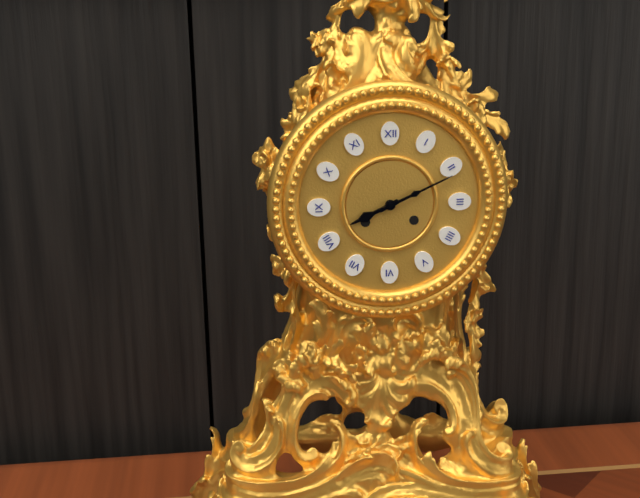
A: 8:11
